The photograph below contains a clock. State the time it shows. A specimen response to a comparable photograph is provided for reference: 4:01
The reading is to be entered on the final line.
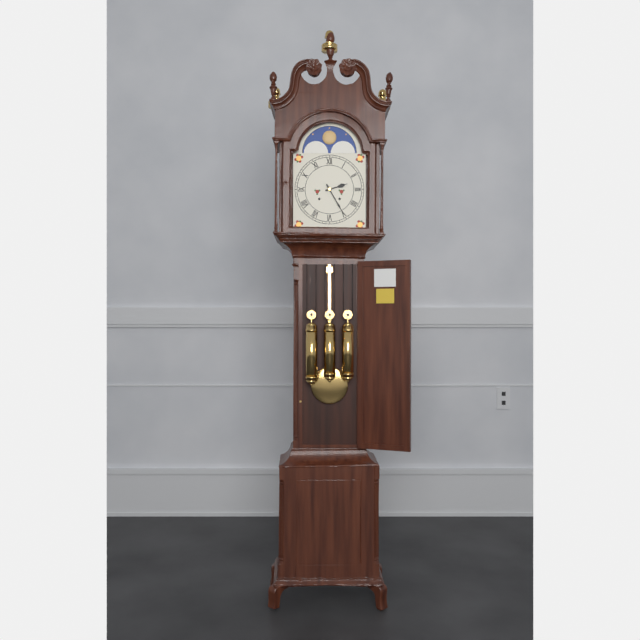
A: 2:25
